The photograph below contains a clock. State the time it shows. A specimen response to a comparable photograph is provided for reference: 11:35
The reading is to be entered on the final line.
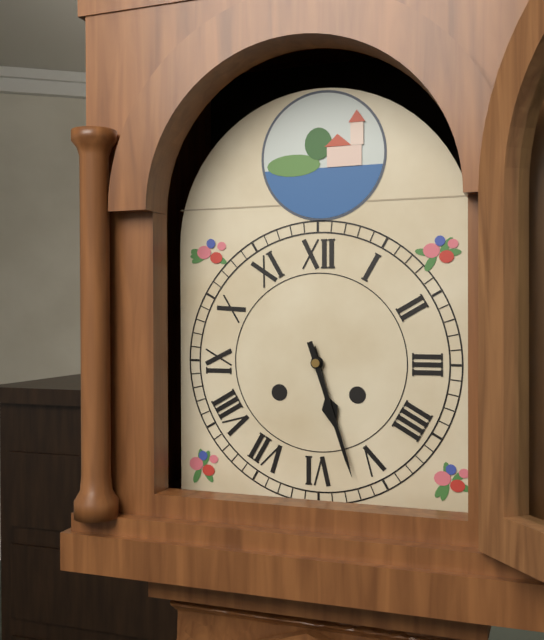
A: 5:27
